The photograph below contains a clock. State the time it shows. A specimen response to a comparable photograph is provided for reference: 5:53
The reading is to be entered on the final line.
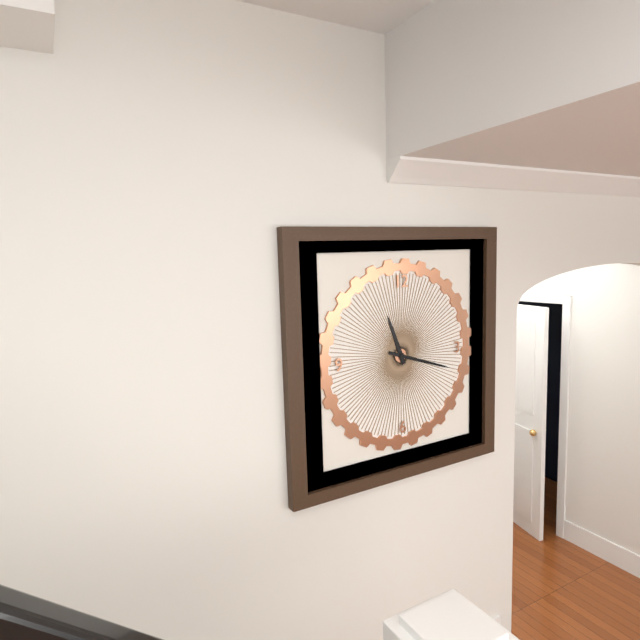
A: 11:18
